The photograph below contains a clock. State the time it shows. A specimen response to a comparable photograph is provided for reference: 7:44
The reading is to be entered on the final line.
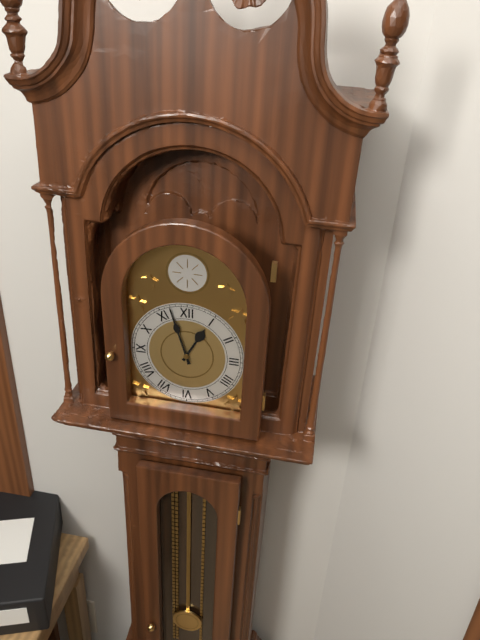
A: 12:57
